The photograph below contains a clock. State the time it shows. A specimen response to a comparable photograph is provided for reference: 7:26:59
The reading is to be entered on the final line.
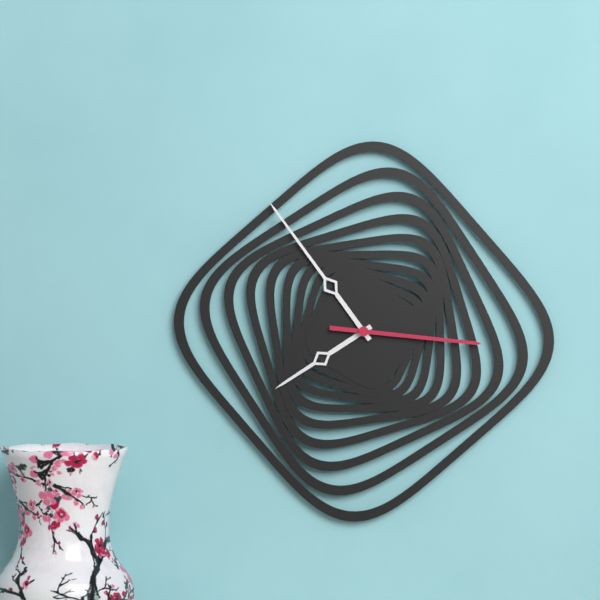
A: 7:54:16
